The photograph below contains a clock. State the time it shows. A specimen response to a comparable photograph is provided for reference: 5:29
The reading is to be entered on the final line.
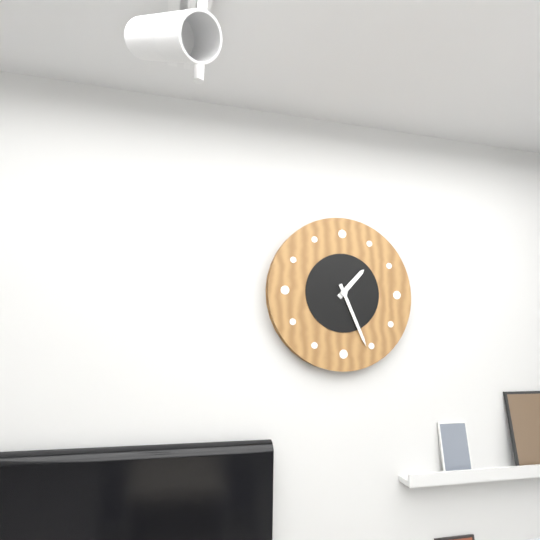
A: 1:26
